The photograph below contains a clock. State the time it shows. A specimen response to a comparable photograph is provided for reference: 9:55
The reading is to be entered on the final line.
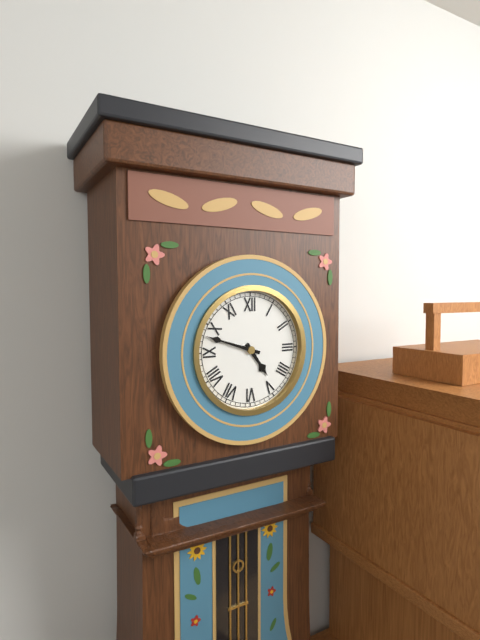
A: 4:48
